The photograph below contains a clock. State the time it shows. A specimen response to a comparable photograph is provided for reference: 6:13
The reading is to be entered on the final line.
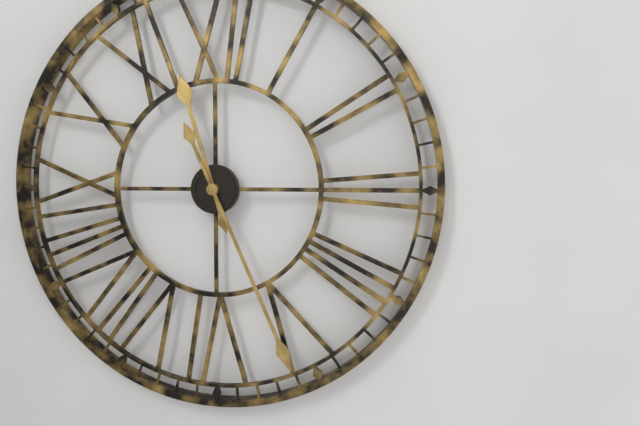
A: 11:26
